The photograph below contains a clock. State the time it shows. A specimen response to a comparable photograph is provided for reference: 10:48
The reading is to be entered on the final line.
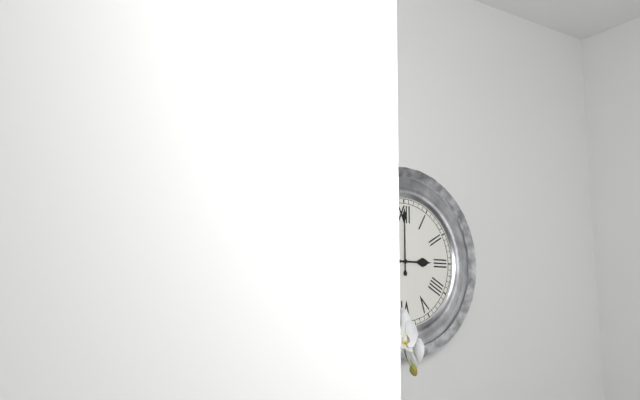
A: 3:00
